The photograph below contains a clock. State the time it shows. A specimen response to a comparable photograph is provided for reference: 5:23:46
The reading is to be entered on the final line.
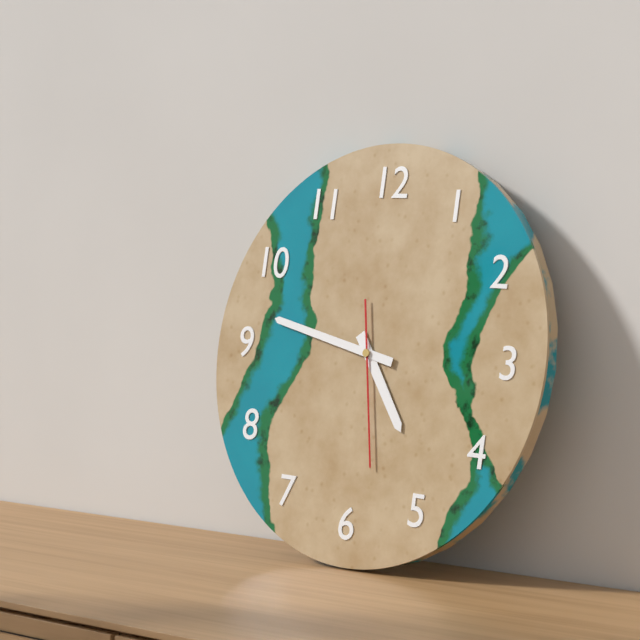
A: 4:47:28
